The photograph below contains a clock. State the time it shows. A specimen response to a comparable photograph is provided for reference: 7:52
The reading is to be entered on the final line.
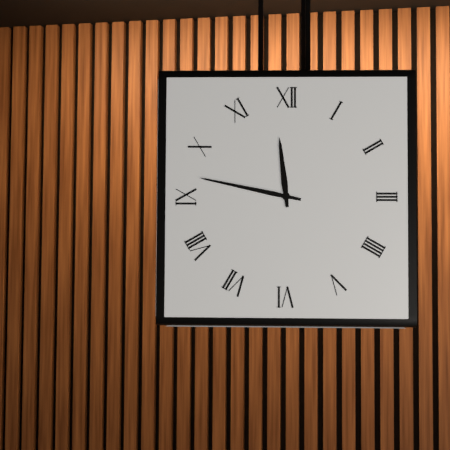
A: 11:47
